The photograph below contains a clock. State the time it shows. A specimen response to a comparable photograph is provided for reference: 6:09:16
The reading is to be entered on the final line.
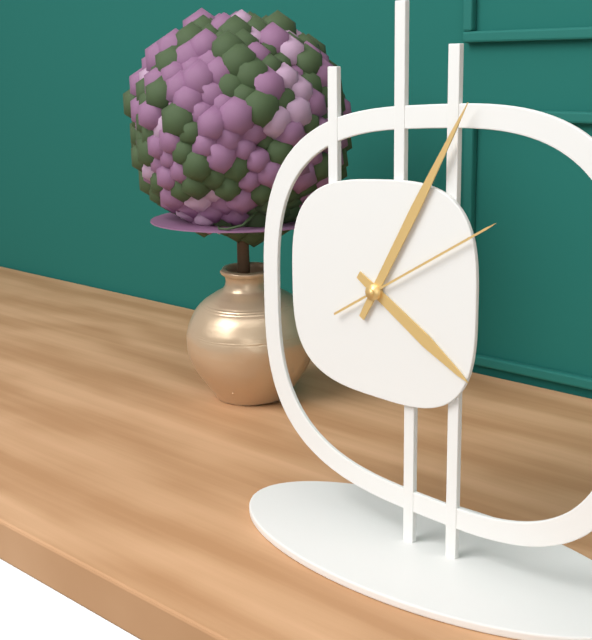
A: 4:05:10
